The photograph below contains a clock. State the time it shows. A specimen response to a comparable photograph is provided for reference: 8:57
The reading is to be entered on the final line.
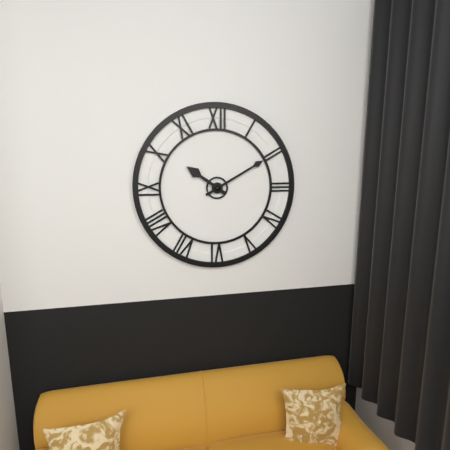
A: 10:10
